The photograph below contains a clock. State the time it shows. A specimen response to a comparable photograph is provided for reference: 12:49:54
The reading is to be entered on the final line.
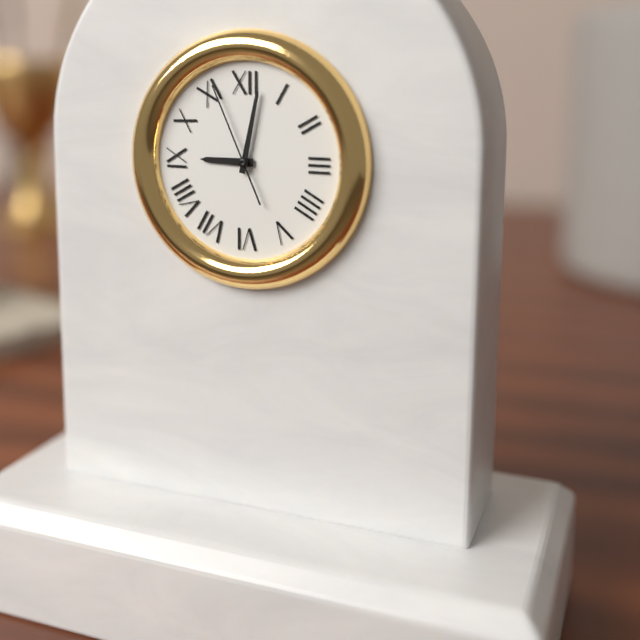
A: 9:02:56
